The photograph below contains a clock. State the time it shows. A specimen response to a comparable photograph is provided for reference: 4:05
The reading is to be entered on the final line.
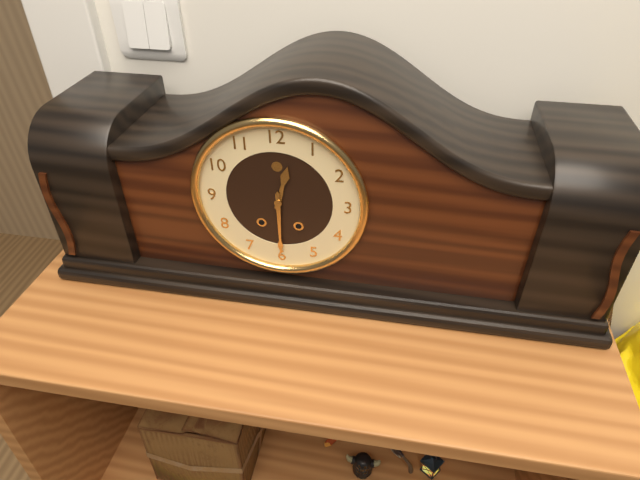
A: 12:30
